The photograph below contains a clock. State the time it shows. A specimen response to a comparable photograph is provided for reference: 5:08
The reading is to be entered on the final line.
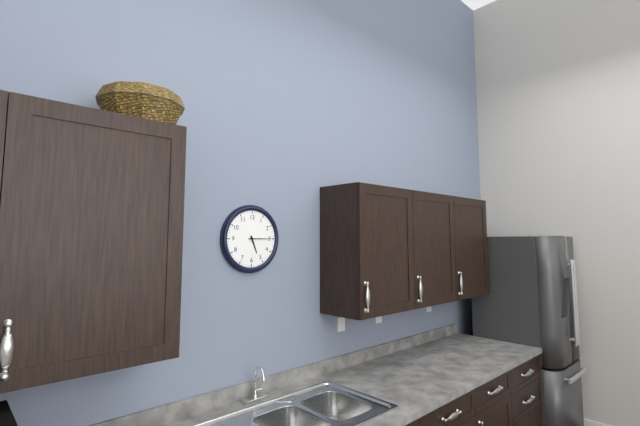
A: 5:15
